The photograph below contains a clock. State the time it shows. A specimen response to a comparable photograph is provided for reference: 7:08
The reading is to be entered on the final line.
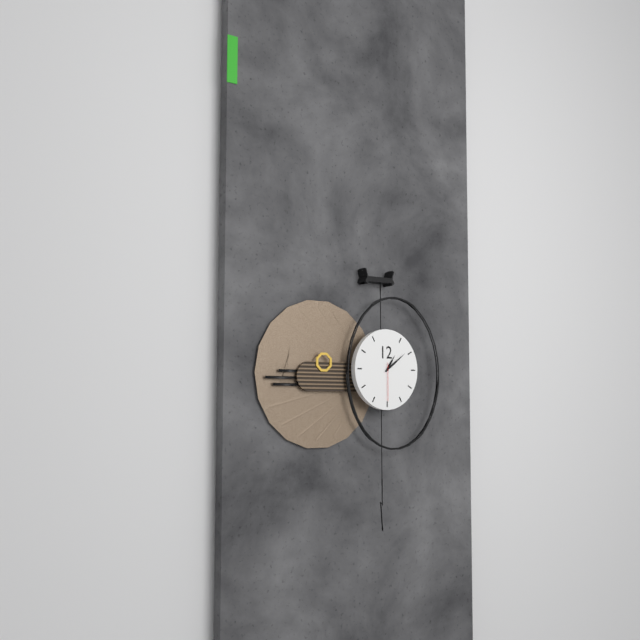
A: 1:09
